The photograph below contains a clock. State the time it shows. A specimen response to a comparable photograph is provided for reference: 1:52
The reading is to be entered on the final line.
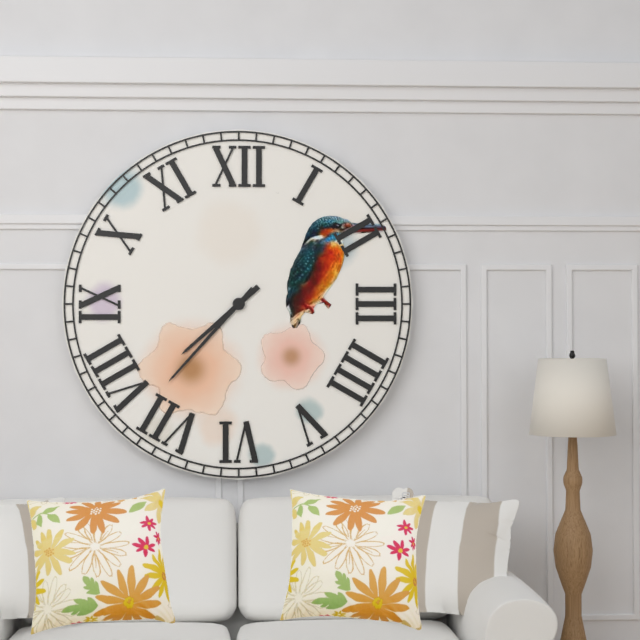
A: 7:37
